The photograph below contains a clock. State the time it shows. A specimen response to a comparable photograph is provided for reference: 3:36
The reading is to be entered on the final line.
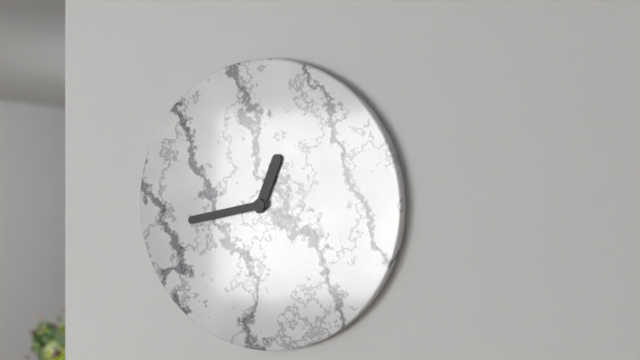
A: 12:43
